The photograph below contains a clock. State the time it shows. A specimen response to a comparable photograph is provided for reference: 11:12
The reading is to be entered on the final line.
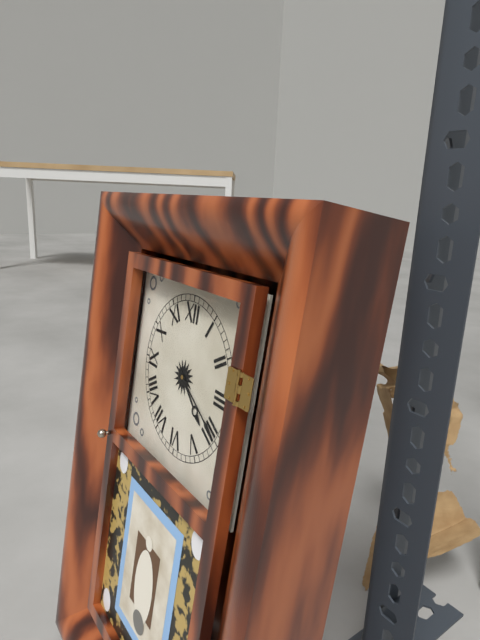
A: 4:20
